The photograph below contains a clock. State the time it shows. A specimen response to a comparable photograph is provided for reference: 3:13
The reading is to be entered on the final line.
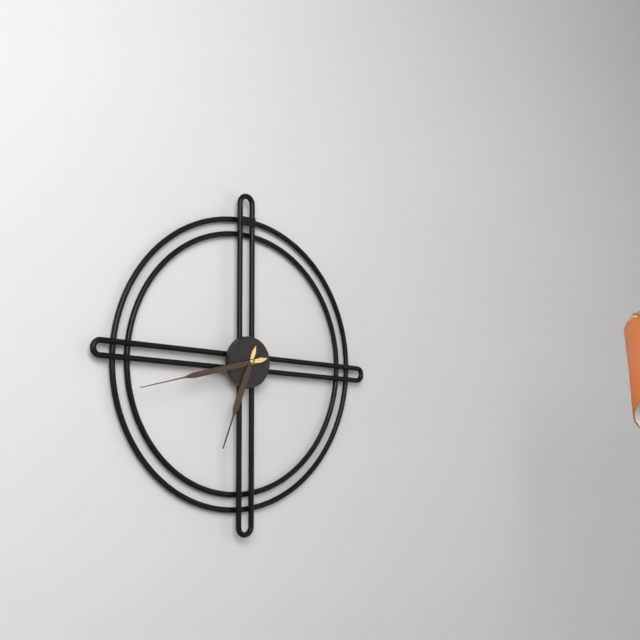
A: 6:43
